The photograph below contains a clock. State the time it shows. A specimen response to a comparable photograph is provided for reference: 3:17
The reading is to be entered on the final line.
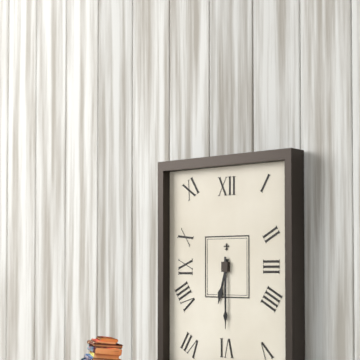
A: 6:30
